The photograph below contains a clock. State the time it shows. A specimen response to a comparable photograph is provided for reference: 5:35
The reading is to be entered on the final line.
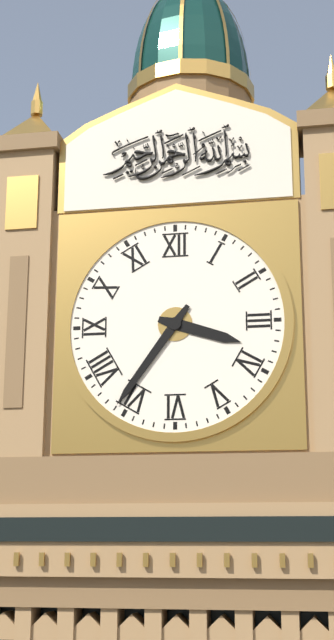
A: 3:36
